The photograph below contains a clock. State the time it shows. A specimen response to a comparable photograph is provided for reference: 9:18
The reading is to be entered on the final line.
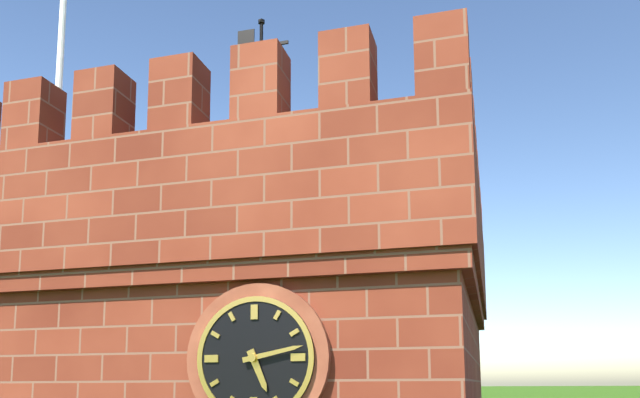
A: 5:13
